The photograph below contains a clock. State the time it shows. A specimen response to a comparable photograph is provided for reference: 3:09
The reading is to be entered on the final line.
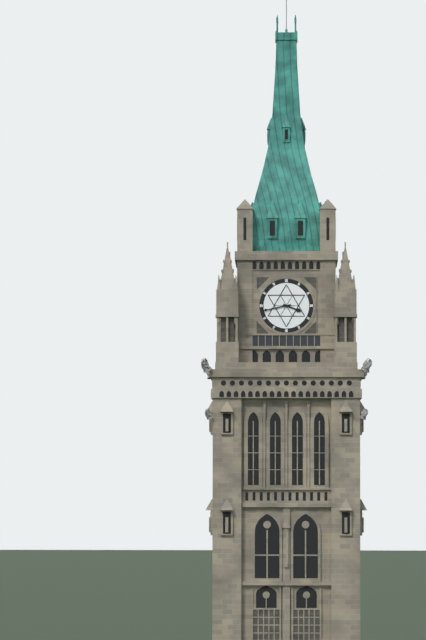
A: 3:43
